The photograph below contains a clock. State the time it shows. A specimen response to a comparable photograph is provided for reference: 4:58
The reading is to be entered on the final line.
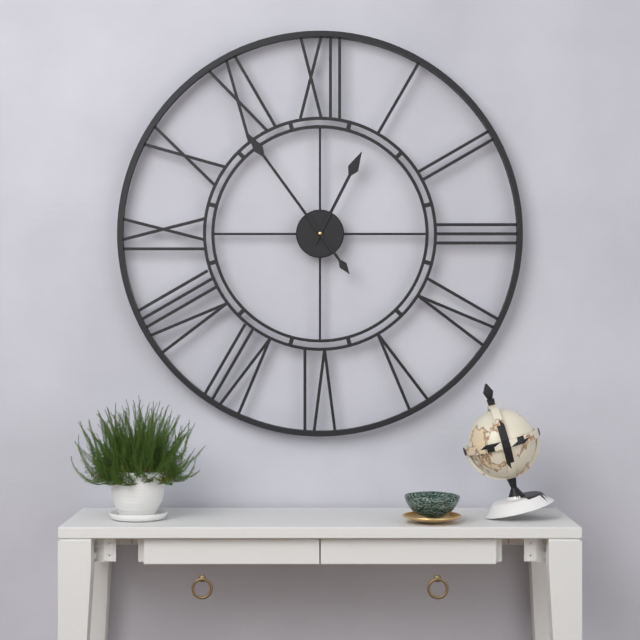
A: 12:54
